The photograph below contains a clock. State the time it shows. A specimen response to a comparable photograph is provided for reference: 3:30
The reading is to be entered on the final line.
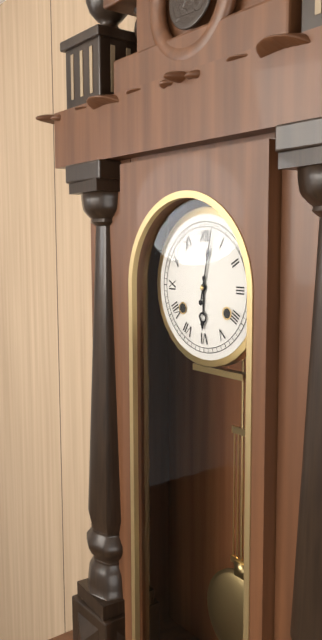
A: 6:02
